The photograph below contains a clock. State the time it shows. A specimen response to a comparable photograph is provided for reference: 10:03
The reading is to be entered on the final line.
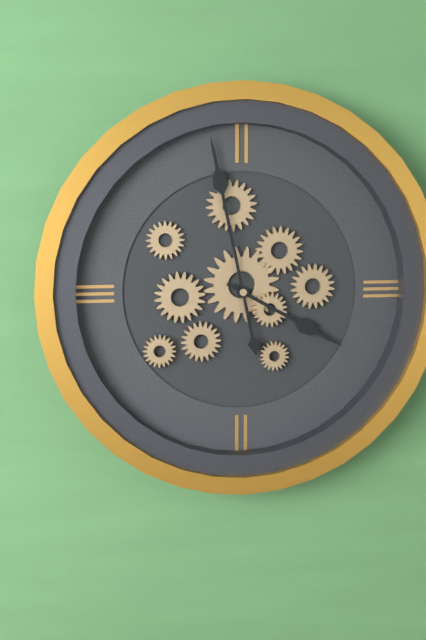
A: 3:58
